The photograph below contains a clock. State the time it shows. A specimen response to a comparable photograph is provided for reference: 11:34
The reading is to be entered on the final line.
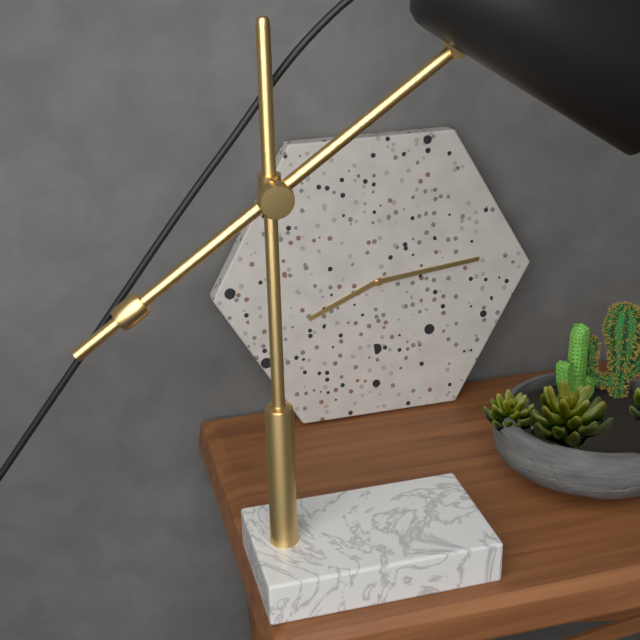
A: 8:14
